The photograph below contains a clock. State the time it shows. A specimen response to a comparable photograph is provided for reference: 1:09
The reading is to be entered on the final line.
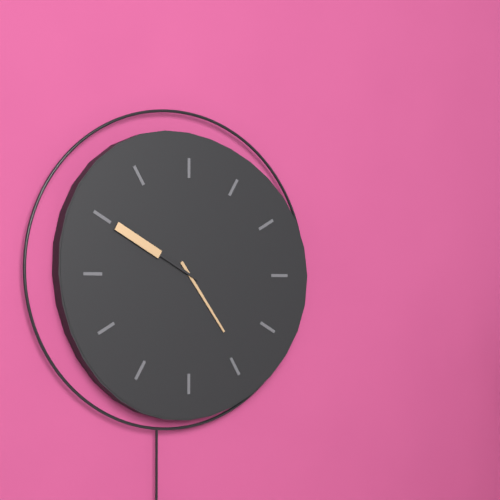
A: 4:50
